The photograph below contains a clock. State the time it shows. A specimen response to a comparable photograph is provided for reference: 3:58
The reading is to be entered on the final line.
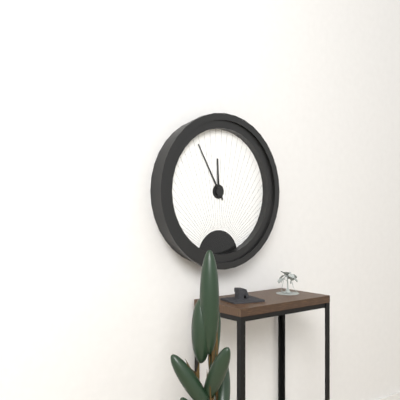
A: 11:55
